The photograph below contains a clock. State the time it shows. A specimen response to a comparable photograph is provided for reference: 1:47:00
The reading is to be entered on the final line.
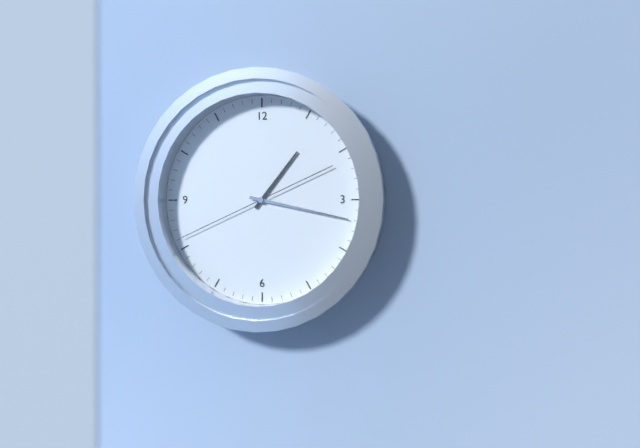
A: 1:17:41
